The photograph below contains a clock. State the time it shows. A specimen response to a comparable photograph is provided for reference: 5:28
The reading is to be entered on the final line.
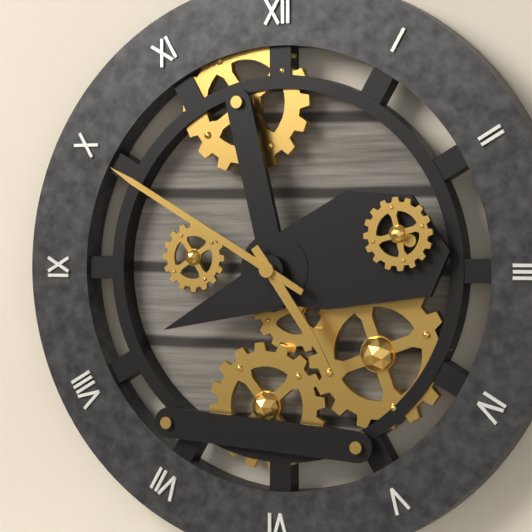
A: 4:50
